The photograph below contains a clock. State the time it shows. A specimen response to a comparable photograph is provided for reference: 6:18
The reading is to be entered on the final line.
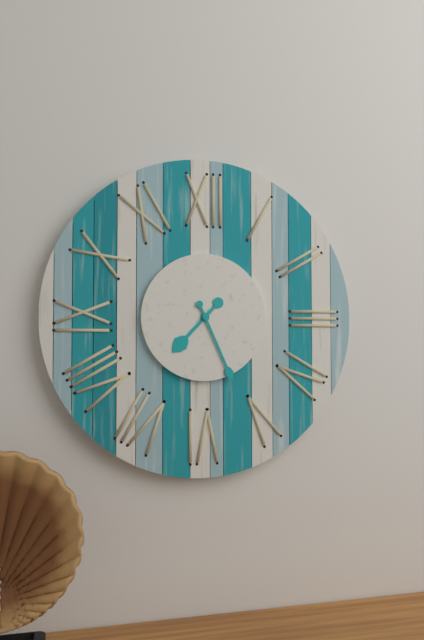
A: 7:26
